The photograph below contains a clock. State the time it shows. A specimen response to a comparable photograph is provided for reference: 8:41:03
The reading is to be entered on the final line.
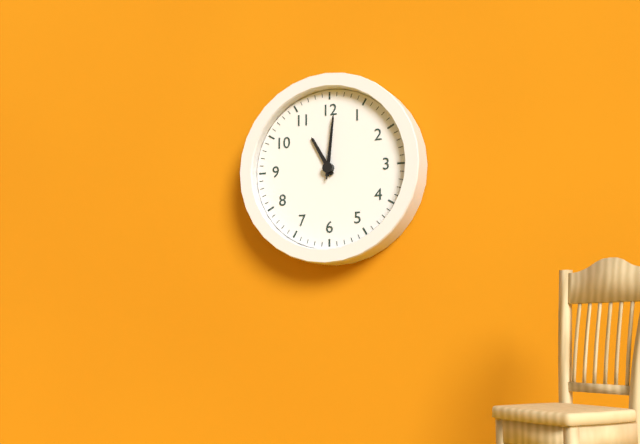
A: 11:01:01
